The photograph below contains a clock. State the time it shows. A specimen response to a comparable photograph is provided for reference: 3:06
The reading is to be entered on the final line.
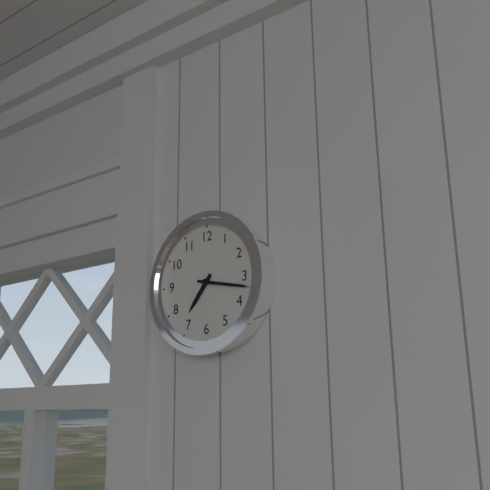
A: 7:17
